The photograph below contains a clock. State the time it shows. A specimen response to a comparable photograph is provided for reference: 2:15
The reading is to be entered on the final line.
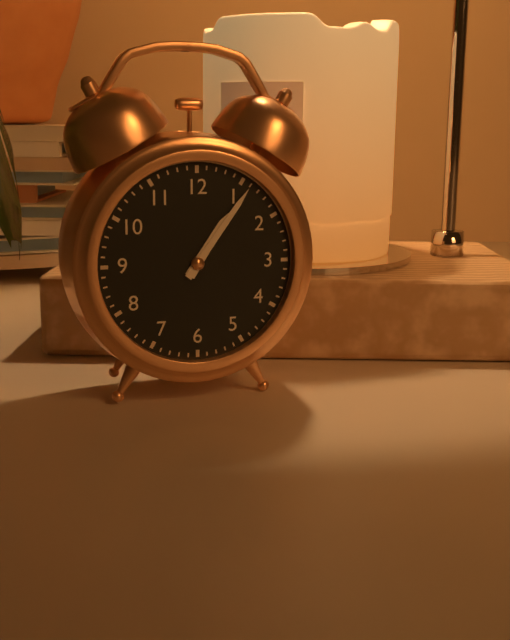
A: 1:06
